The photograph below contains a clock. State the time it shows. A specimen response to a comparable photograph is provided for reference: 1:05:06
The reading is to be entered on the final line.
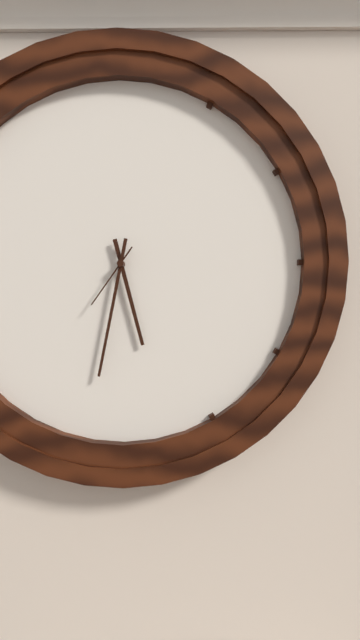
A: 5:32:36
